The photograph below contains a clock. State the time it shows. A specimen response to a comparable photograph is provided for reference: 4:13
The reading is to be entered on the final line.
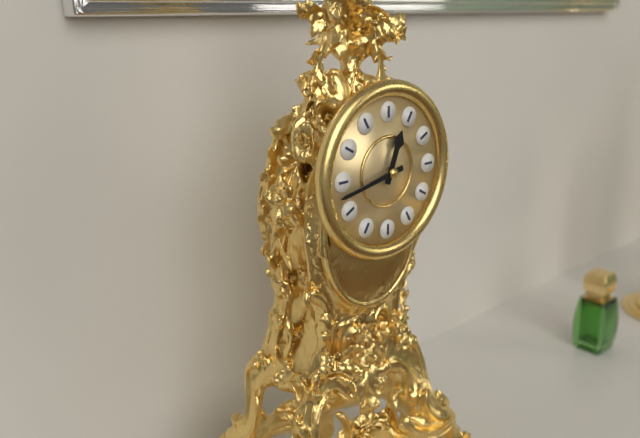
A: 12:43
